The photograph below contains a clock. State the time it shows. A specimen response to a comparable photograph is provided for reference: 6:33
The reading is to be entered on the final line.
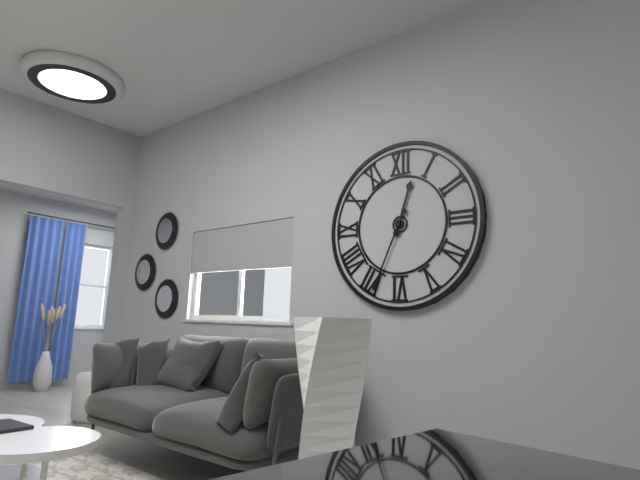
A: 12:34
